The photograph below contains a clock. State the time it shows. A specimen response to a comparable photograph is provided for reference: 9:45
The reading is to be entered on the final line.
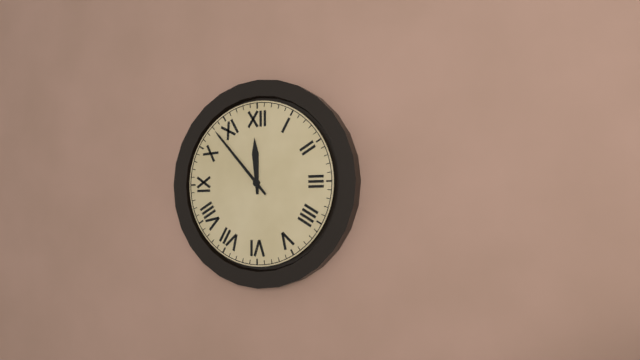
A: 11:53
